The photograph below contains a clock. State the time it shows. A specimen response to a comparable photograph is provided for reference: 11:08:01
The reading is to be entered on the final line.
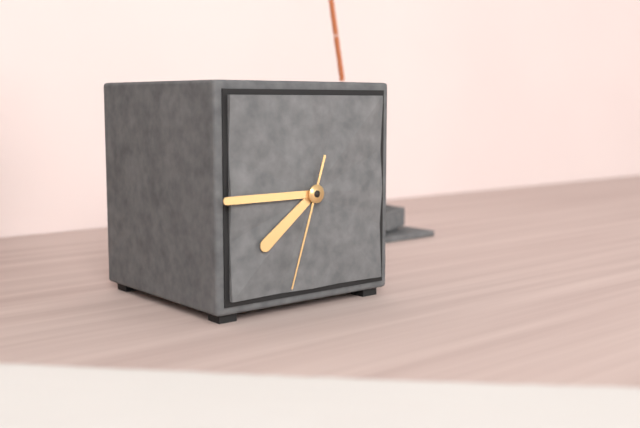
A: 7:45:33
